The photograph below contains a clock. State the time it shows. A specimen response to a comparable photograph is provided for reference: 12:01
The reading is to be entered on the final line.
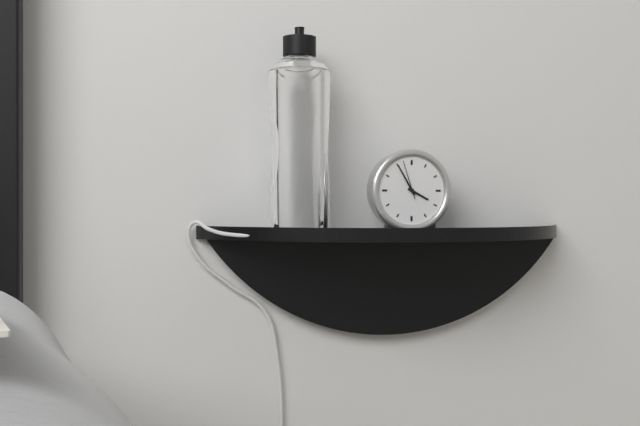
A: 3:55
